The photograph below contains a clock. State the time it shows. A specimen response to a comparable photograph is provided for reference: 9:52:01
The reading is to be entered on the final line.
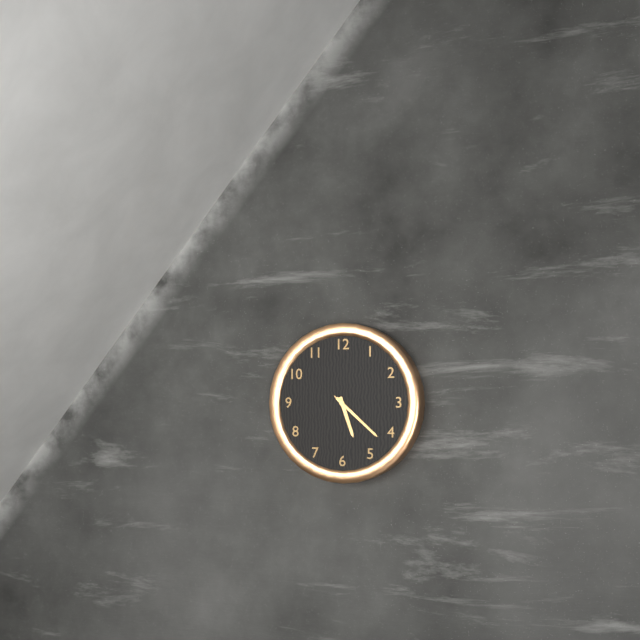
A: 5:22:22
